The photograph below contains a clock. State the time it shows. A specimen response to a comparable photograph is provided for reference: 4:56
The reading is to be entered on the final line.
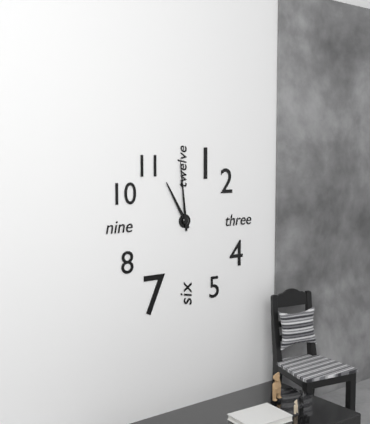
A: 10:59
